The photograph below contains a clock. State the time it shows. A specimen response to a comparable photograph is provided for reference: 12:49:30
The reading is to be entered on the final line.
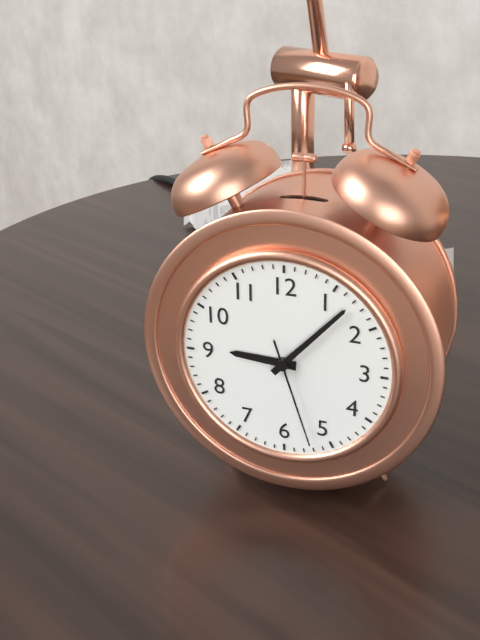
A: 9:07:27
